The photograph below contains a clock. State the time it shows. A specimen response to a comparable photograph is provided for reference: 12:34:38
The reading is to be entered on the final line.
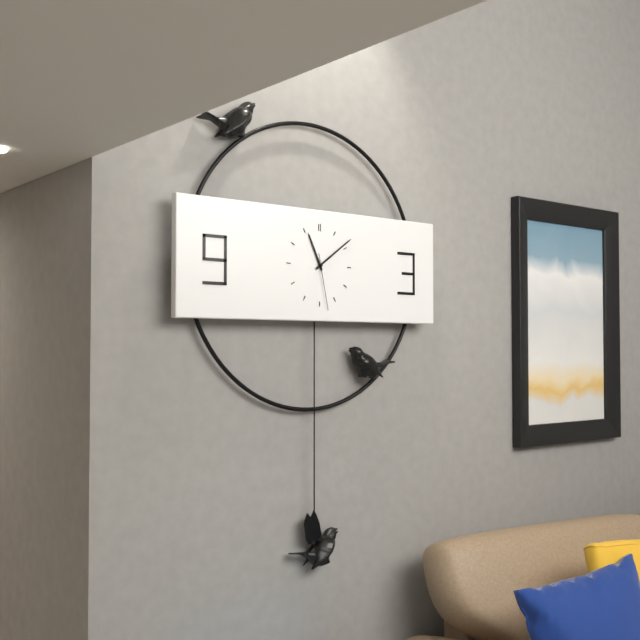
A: 11:09:28
